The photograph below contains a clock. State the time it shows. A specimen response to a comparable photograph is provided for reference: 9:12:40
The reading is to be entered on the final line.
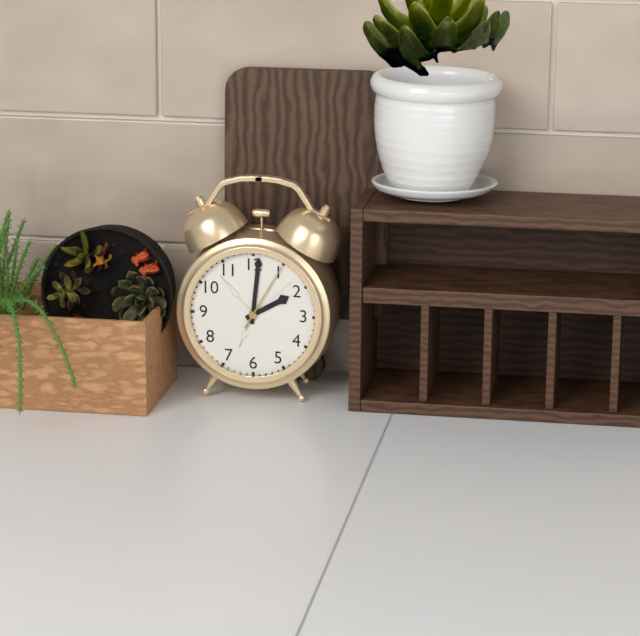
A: 2:01:05
